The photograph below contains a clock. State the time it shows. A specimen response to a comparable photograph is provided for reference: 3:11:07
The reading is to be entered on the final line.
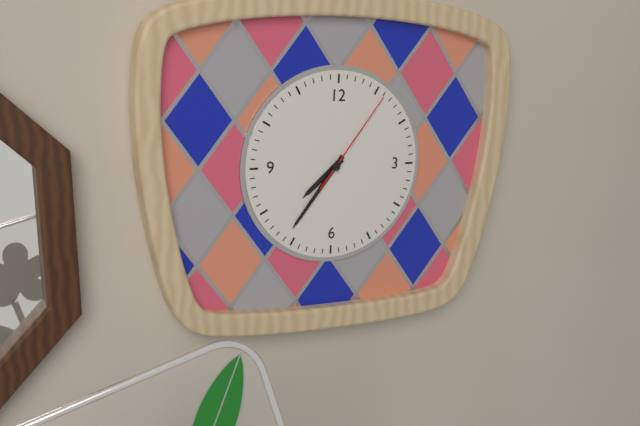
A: 7:36:06
